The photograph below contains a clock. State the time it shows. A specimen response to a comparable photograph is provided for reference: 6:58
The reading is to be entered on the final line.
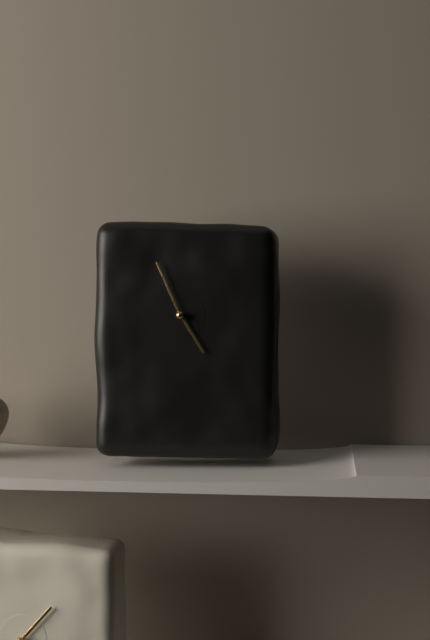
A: 4:56
